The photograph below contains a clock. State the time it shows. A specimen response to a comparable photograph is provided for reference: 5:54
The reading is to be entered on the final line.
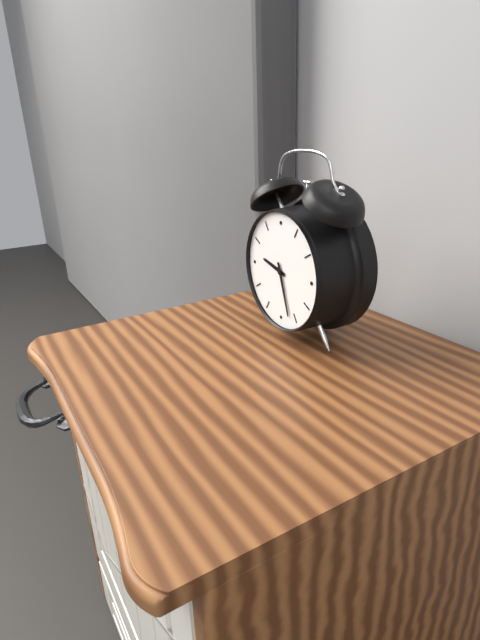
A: 9:27
